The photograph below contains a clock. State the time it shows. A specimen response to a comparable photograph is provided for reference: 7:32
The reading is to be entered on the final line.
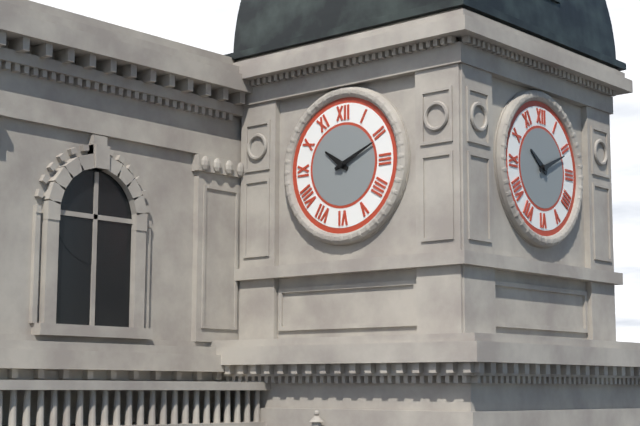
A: 10:11
